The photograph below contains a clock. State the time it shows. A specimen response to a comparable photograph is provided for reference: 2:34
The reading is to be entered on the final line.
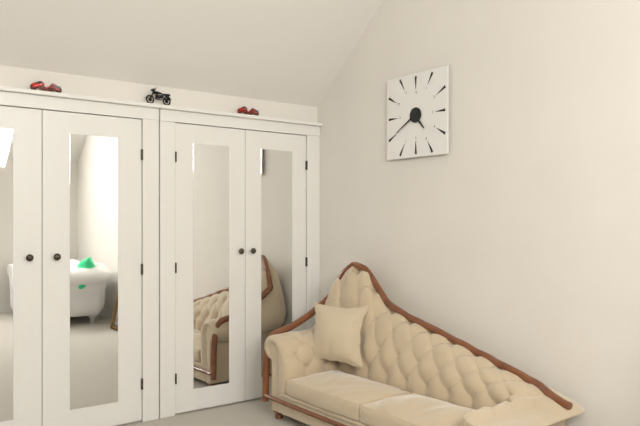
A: 4:40
